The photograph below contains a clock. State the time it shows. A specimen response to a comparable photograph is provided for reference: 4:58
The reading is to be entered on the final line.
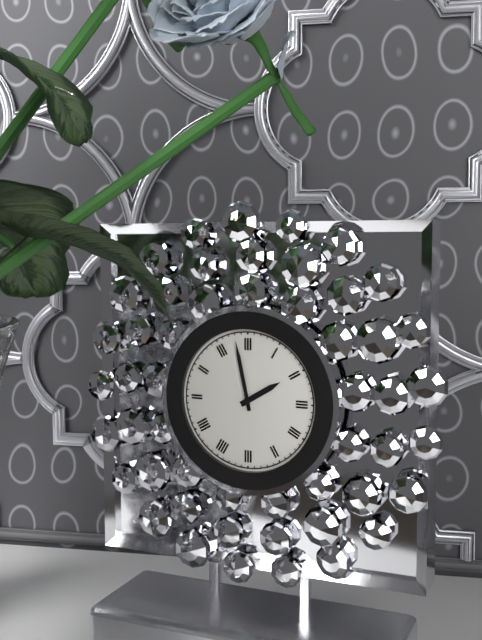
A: 1:58
